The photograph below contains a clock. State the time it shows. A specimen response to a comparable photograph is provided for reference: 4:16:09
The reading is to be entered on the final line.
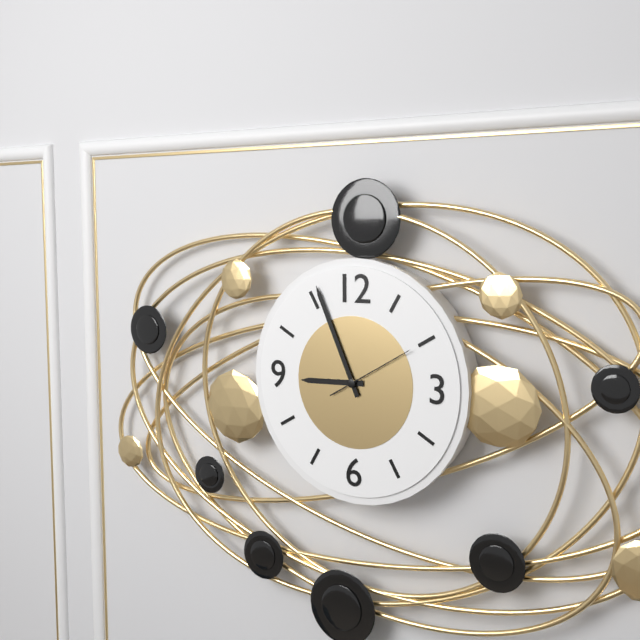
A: 8:56:10
